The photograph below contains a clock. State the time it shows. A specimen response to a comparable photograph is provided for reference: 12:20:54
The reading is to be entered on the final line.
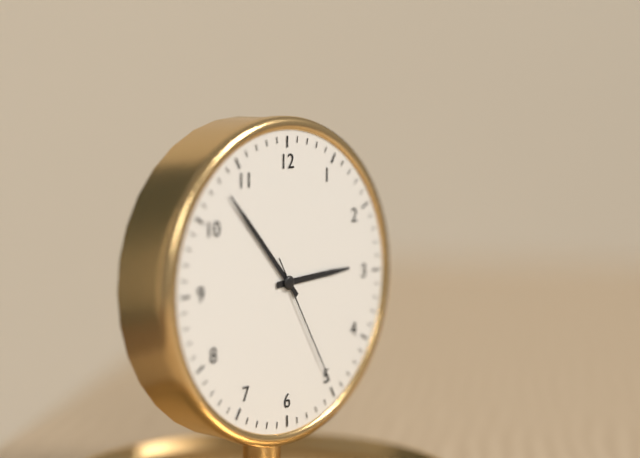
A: 2:53:25
